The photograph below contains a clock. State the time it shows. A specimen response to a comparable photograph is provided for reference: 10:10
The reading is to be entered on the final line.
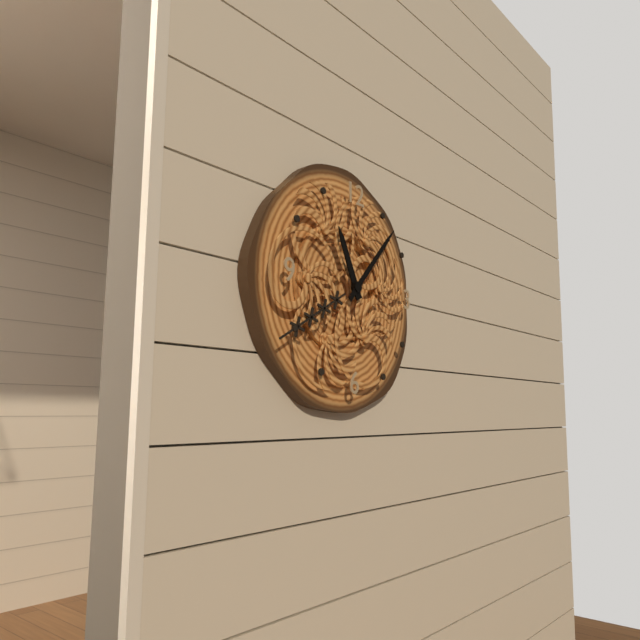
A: 11:07
